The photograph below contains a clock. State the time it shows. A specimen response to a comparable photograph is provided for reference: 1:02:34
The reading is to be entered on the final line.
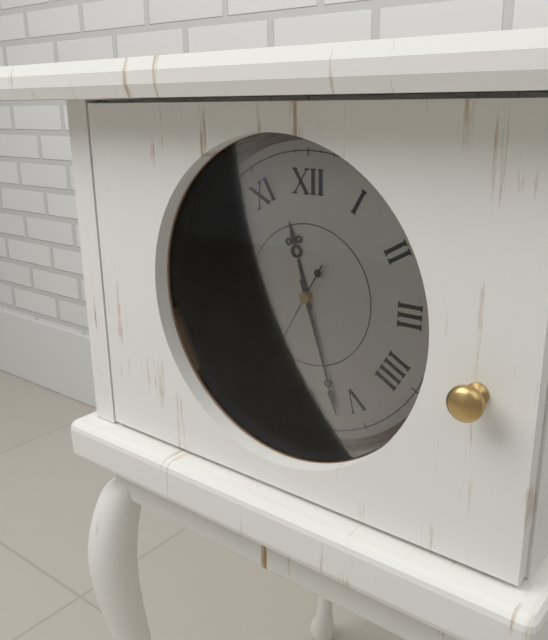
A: 11:27:35
